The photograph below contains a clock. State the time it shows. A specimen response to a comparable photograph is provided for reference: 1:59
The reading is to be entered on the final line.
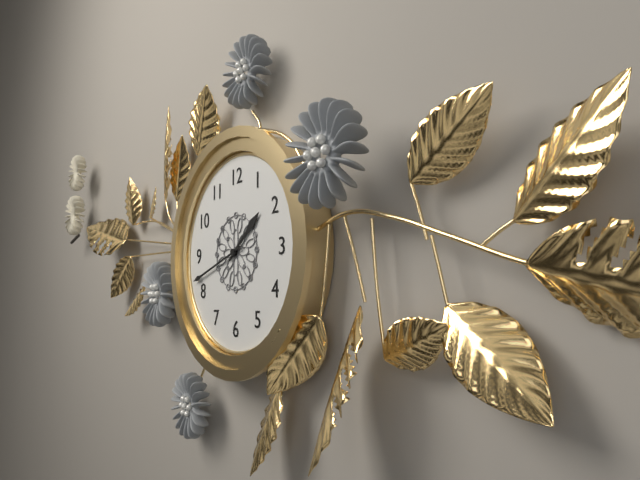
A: 1:42
